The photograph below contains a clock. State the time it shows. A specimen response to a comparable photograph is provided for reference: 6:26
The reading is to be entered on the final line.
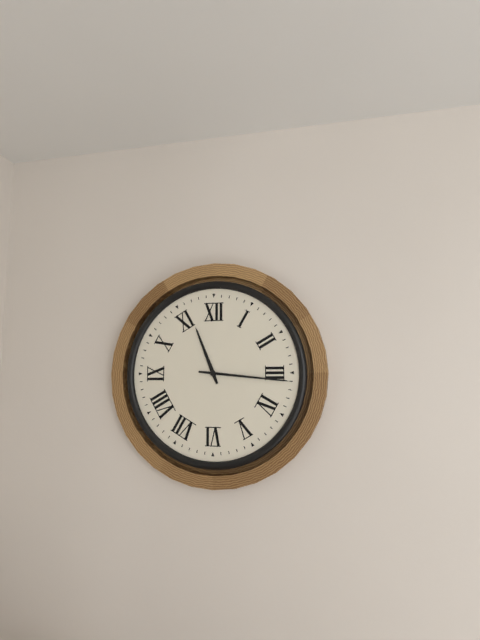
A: 11:16
